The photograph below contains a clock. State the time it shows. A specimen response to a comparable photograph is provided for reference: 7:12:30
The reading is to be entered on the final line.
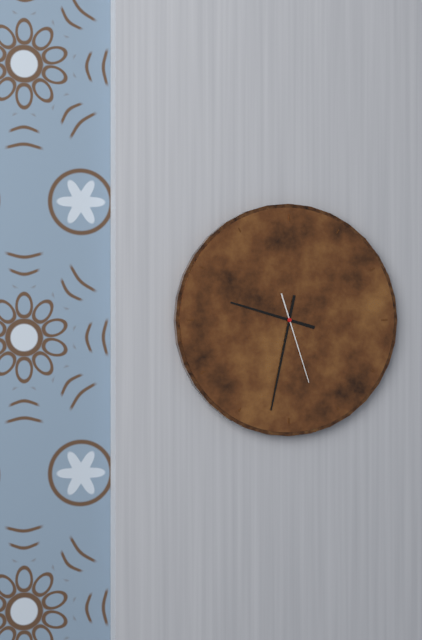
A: 9:32:27
